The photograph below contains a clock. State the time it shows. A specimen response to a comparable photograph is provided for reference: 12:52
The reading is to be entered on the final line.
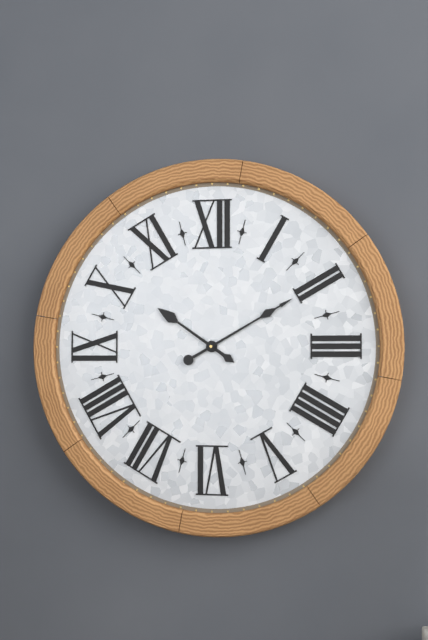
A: 10:10
